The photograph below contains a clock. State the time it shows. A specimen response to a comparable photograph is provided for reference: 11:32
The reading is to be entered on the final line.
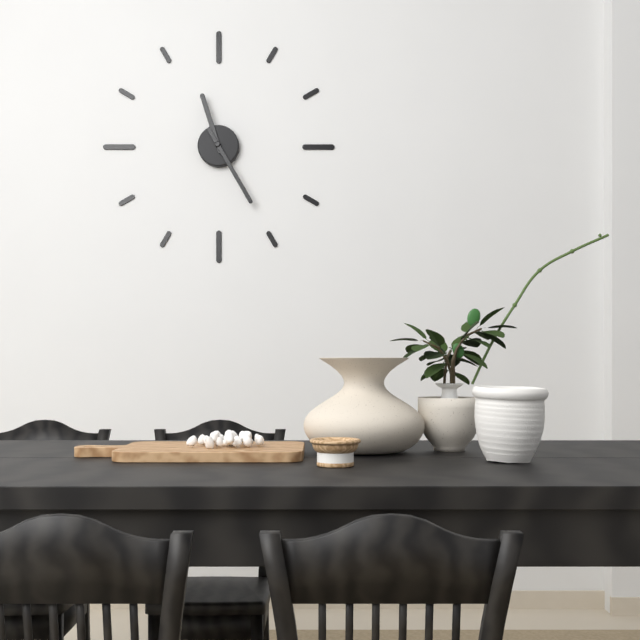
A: 11:25
